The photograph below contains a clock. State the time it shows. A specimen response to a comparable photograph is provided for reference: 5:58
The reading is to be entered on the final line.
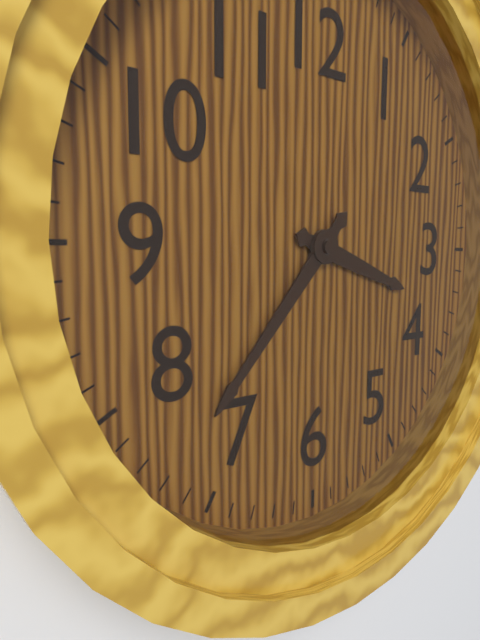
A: 3:37
